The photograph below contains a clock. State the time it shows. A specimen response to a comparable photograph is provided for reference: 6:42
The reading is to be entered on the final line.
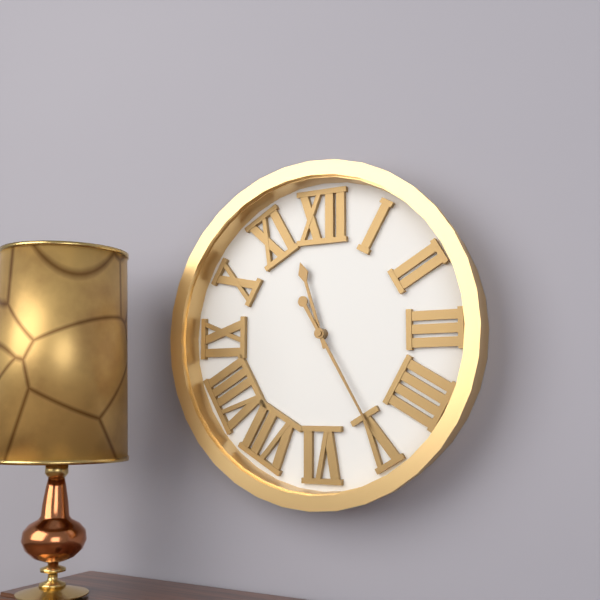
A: 11:25
